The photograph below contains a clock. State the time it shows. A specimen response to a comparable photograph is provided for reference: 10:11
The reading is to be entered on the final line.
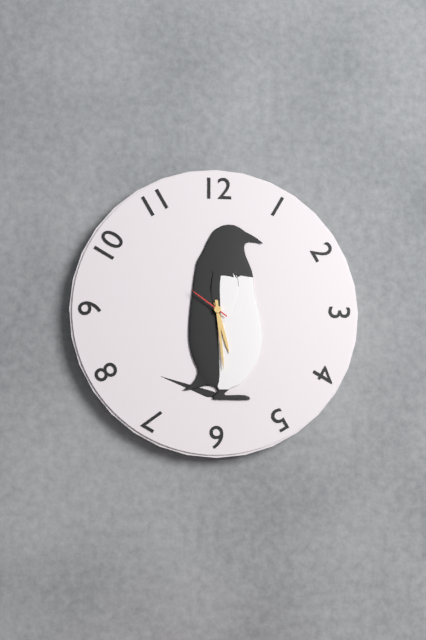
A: 5:29
